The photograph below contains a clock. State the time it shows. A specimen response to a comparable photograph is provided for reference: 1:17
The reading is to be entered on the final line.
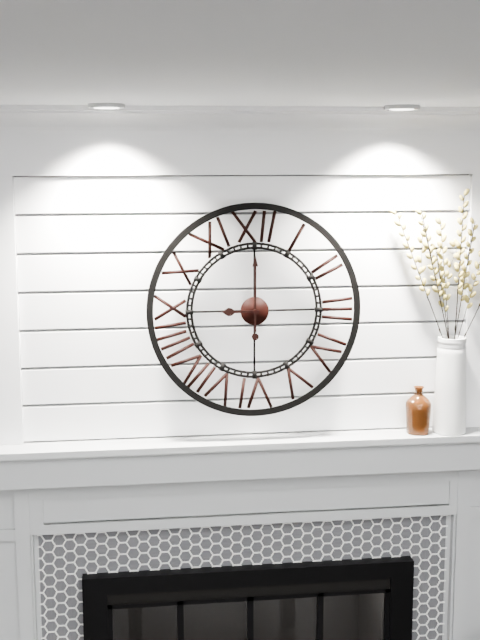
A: 9:00
